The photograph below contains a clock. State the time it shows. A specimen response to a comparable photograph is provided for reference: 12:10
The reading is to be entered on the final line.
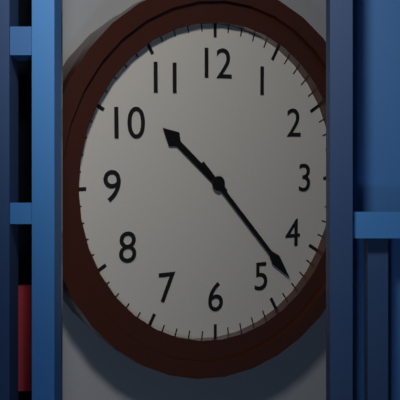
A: 10:23
